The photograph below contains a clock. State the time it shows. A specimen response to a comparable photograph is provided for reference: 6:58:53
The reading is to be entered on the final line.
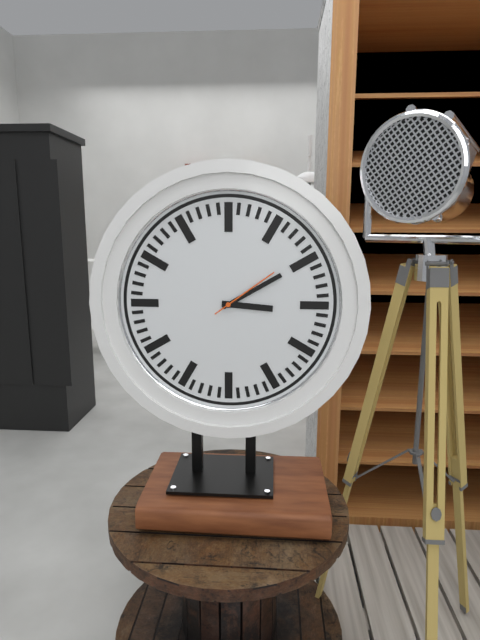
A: 3:10:09
